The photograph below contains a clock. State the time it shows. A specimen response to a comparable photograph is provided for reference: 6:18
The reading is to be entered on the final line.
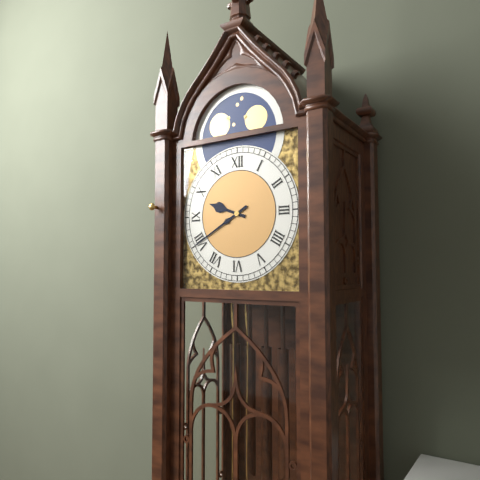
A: 9:40
